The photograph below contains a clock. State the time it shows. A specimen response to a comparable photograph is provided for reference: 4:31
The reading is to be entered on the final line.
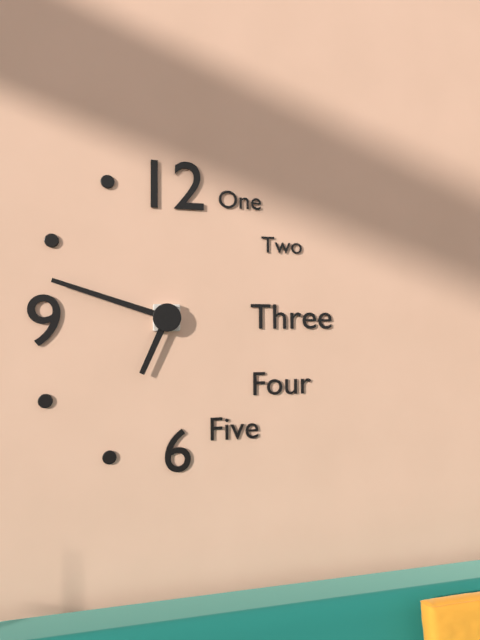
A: 6:48
